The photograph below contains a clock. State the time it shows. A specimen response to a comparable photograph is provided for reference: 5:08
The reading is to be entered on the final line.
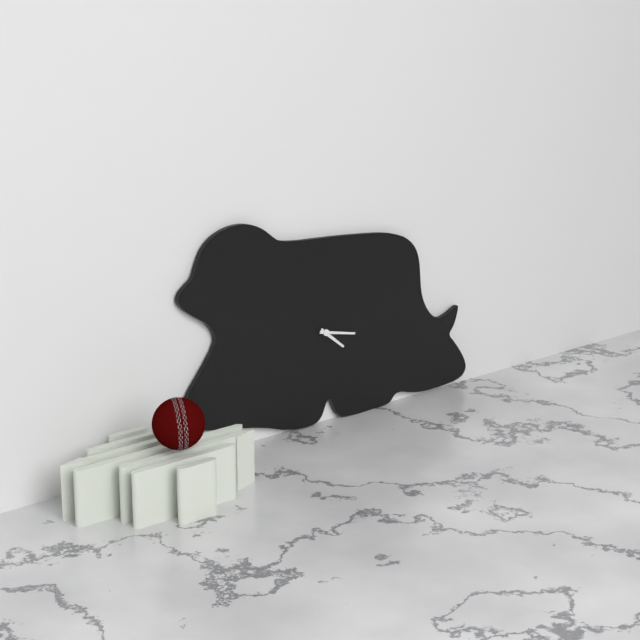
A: 4:17
